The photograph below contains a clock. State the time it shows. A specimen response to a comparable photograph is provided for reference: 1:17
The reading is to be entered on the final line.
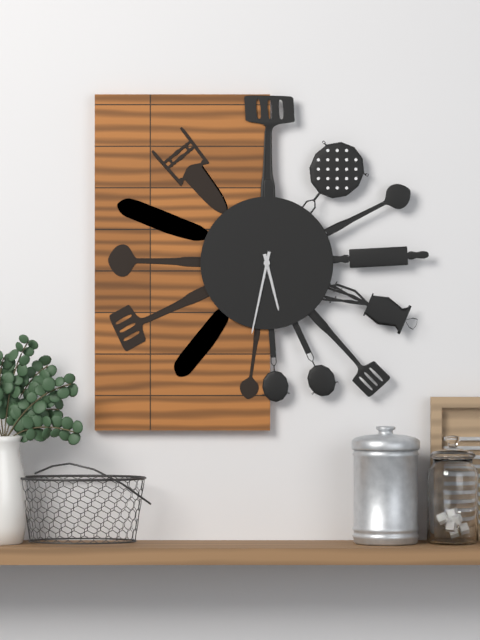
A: 5:32
